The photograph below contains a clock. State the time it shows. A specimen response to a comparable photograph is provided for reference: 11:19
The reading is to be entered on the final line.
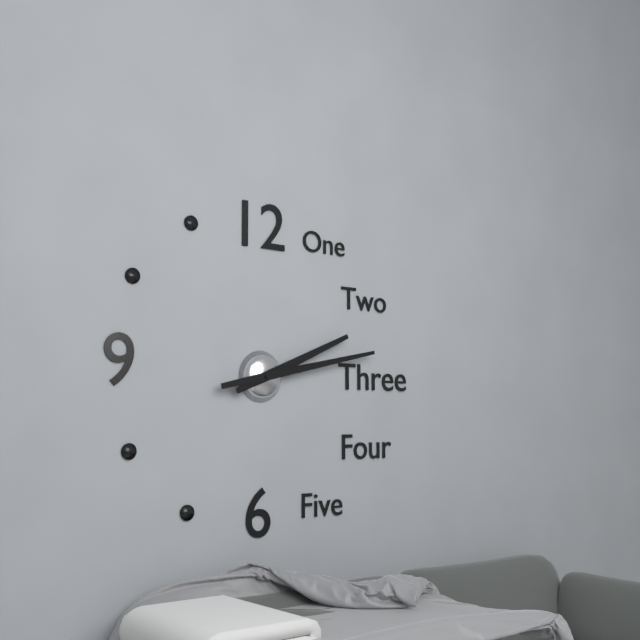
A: 2:13
